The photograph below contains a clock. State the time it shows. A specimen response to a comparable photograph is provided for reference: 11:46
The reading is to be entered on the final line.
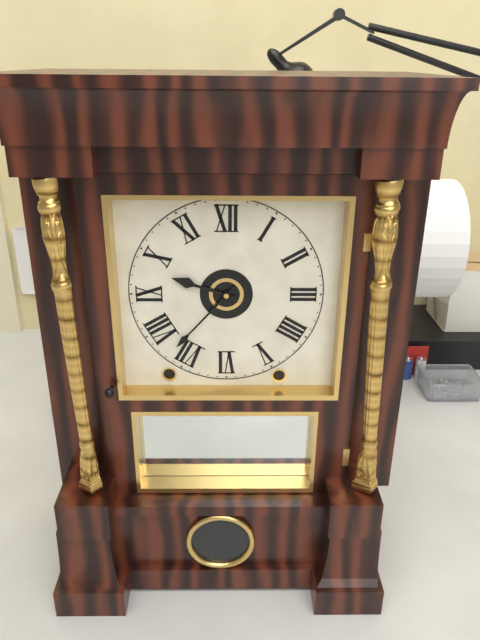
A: 9:37
